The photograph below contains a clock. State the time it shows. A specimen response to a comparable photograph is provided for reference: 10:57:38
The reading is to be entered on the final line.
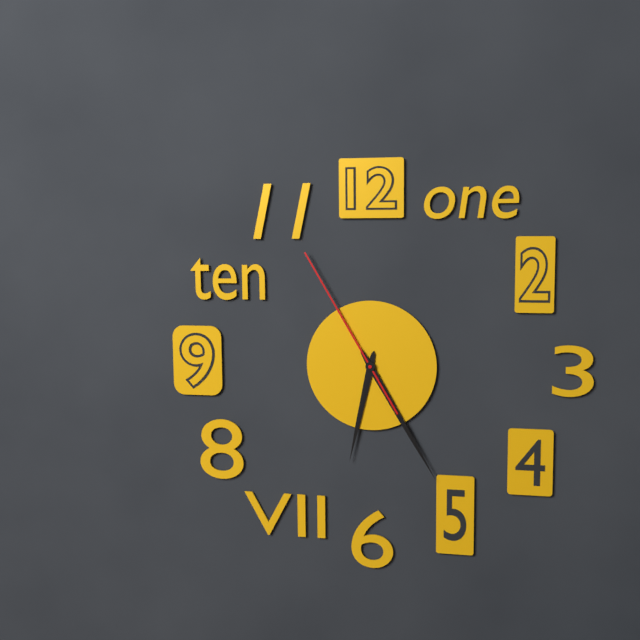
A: 6:25:55
